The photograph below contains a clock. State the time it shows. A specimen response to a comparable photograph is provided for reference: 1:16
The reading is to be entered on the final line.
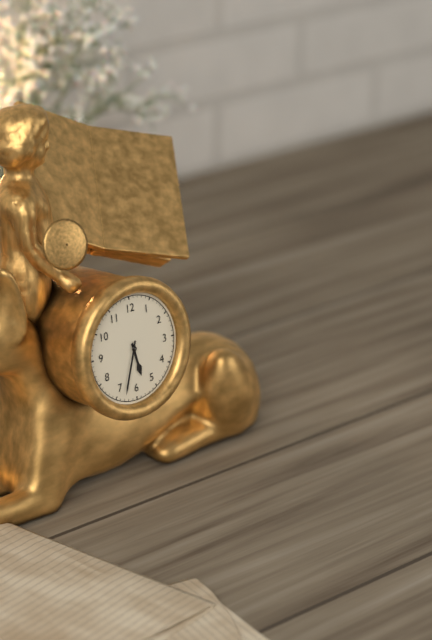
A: 5:33
